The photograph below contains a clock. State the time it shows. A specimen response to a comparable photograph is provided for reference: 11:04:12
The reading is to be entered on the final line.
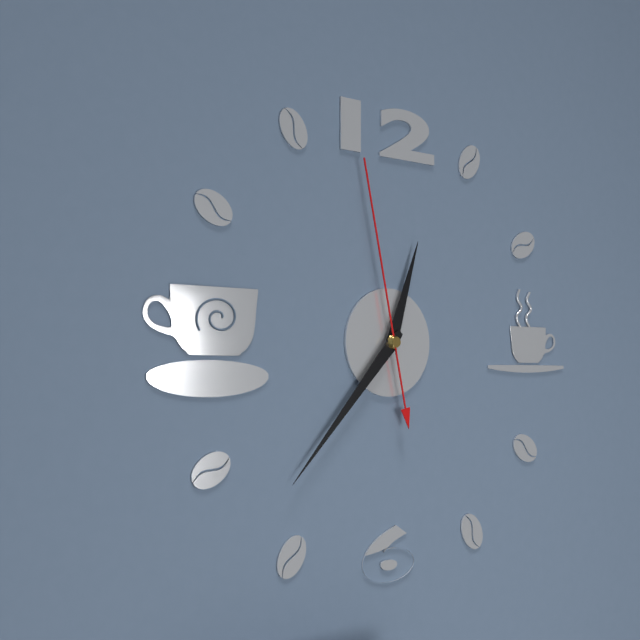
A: 12:37:58
